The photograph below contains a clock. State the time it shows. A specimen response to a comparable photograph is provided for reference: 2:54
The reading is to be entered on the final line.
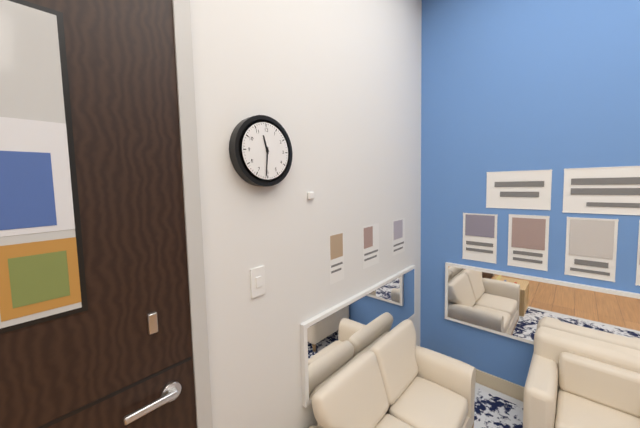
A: 11:31
